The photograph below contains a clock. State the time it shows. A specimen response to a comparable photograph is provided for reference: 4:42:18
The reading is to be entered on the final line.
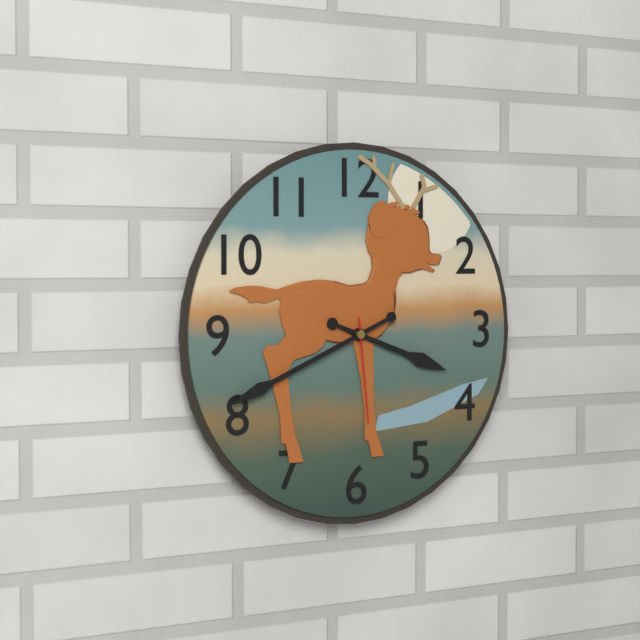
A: 3:41:29
